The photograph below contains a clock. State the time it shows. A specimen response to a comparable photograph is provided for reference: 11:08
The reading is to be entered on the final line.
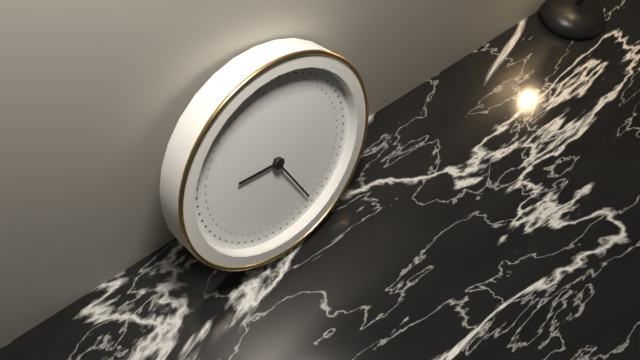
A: 9:27
